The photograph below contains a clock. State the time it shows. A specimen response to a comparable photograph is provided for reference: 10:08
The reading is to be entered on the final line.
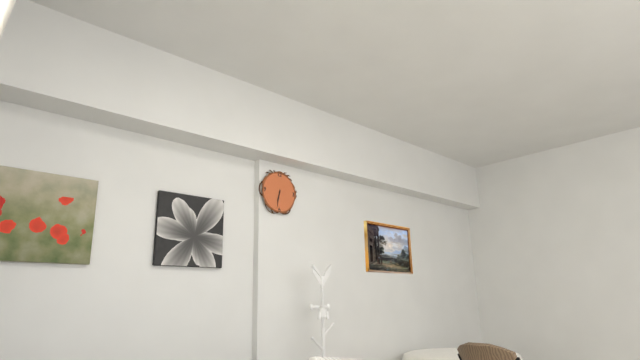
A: 6:32
